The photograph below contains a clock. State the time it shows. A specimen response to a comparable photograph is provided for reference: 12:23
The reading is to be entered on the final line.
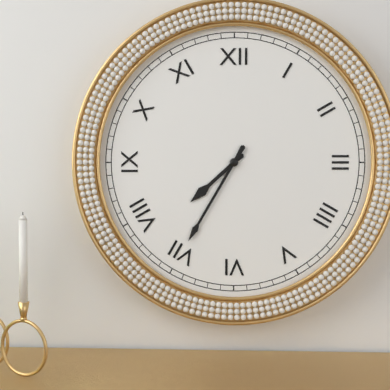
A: 7:35
